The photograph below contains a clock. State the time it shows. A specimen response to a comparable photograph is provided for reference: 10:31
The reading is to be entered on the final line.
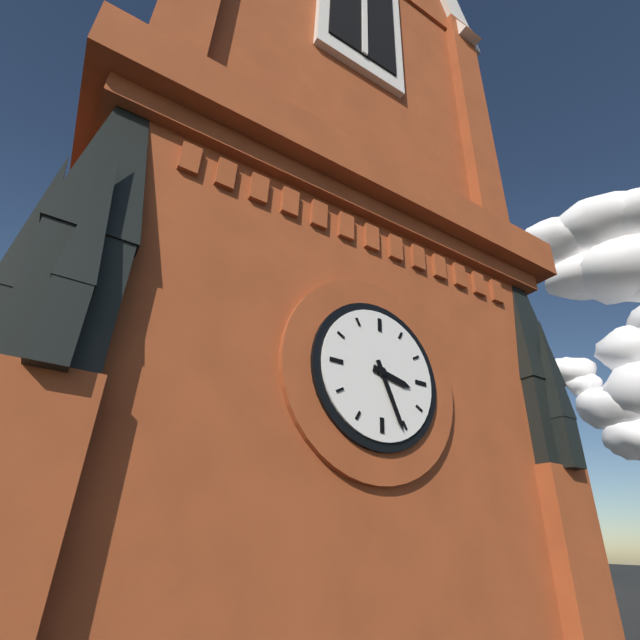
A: 3:26
